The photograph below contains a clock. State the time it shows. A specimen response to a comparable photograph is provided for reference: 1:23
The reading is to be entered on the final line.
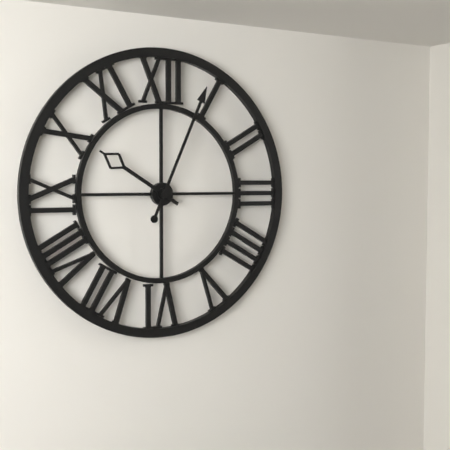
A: 10:04
